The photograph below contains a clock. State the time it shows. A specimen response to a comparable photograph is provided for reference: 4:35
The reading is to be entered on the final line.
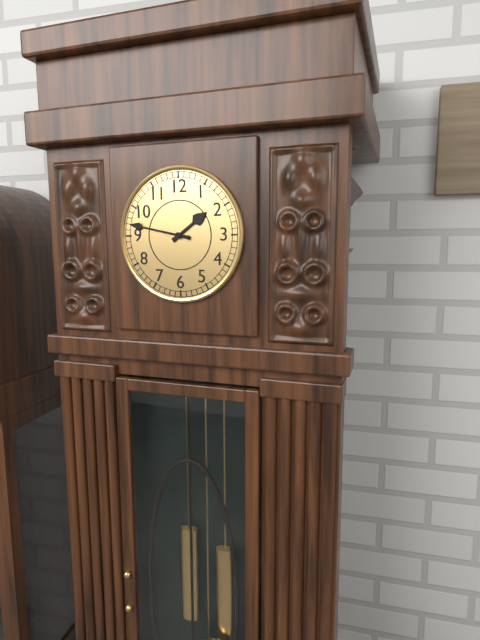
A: 1:47
